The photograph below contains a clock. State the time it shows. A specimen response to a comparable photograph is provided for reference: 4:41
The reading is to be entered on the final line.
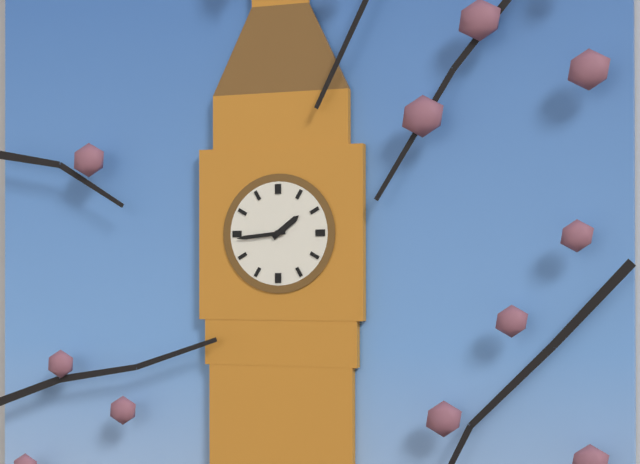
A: 1:44
